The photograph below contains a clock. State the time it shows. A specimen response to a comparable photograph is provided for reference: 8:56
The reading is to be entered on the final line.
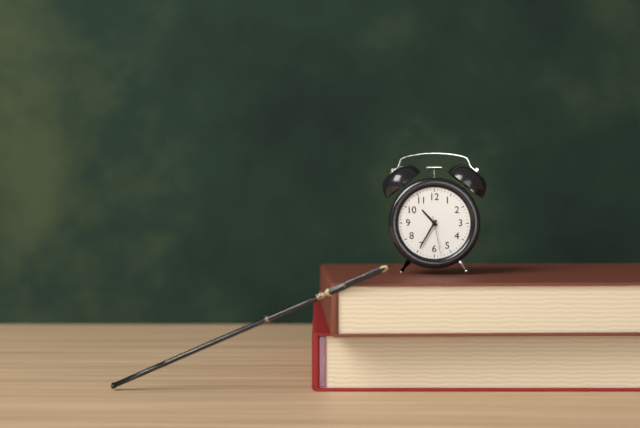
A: 10:35
